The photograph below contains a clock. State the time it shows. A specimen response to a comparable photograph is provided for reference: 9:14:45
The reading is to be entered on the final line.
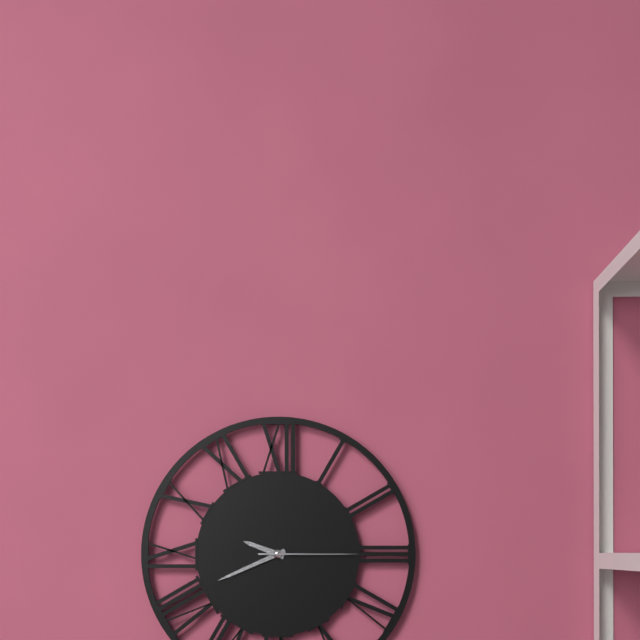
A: 9:41:15
